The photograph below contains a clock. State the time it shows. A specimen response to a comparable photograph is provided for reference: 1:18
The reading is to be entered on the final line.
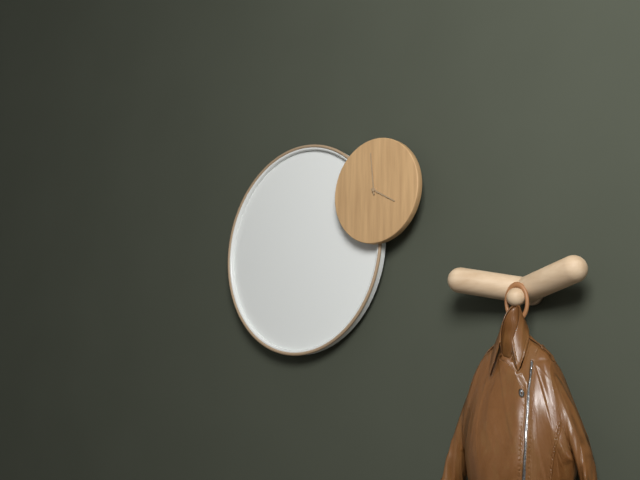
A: 3:59
